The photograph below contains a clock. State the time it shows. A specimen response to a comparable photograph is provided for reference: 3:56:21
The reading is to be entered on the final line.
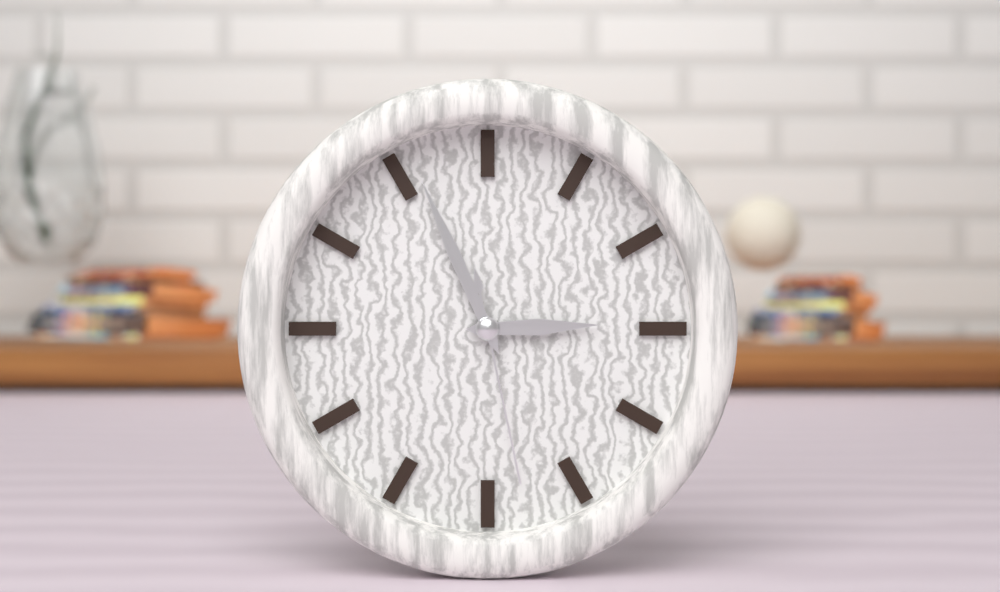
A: 2:56:28
